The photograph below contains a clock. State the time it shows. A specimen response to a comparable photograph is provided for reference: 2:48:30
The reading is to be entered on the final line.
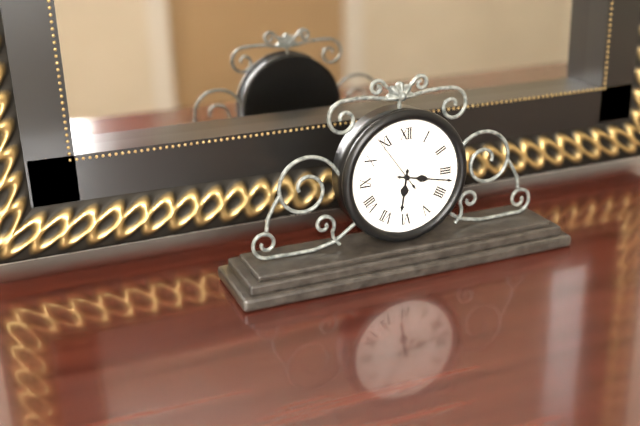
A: 6:17:54
